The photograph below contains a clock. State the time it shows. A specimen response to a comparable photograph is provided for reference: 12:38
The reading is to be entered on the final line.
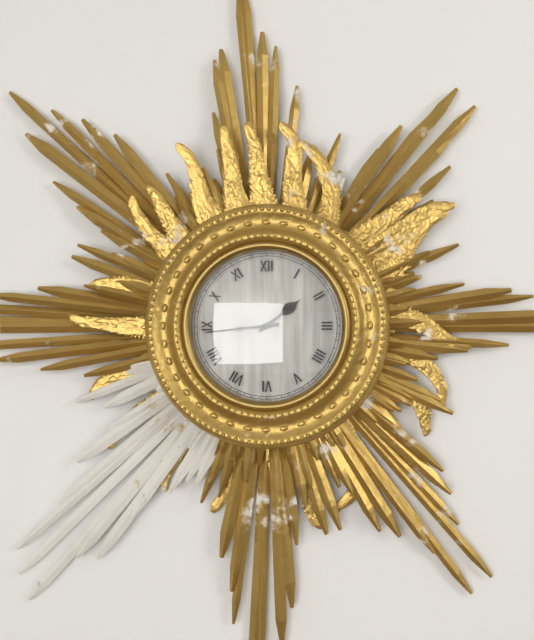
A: 1:44
